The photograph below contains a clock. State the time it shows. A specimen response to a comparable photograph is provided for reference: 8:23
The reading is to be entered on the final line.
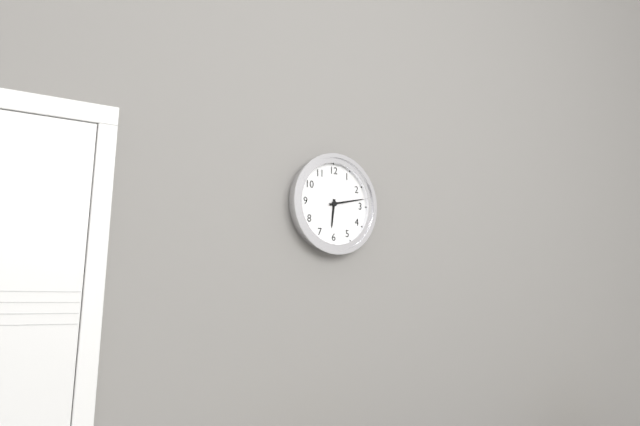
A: 6:13
